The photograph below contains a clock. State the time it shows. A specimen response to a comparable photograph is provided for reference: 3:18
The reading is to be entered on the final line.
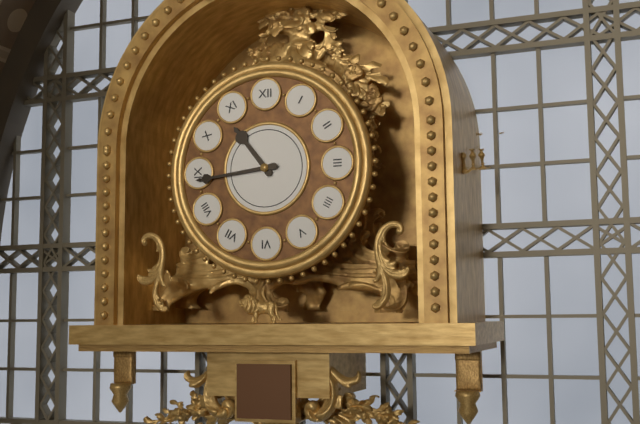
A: 10:44
